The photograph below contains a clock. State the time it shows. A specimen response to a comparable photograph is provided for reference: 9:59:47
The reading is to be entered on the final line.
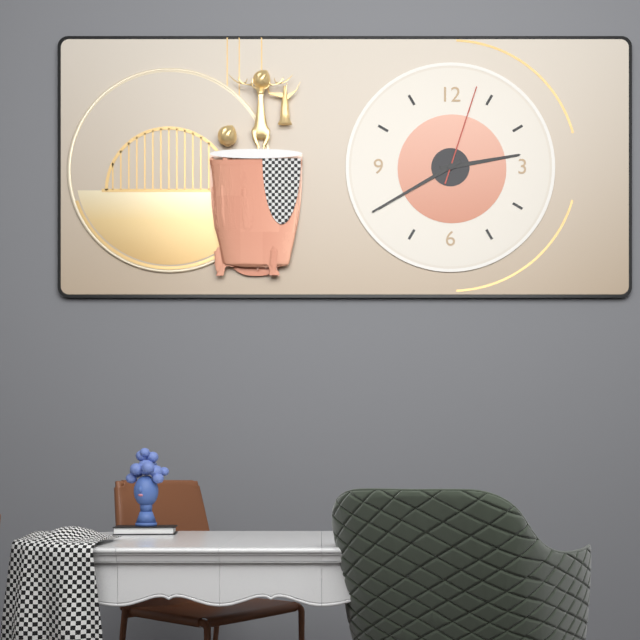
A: 2:40:03
